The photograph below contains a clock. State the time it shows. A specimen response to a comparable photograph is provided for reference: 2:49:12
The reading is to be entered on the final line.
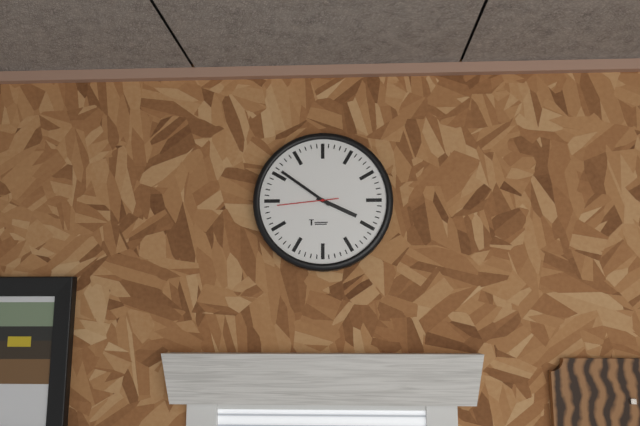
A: 3:51:44
